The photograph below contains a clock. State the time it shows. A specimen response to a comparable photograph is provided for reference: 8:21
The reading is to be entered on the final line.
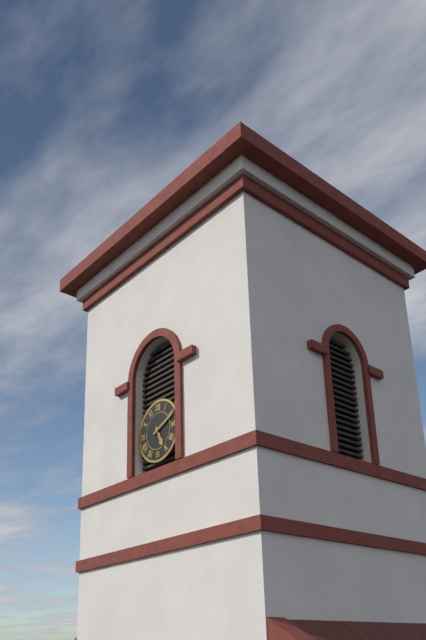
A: 5:11
